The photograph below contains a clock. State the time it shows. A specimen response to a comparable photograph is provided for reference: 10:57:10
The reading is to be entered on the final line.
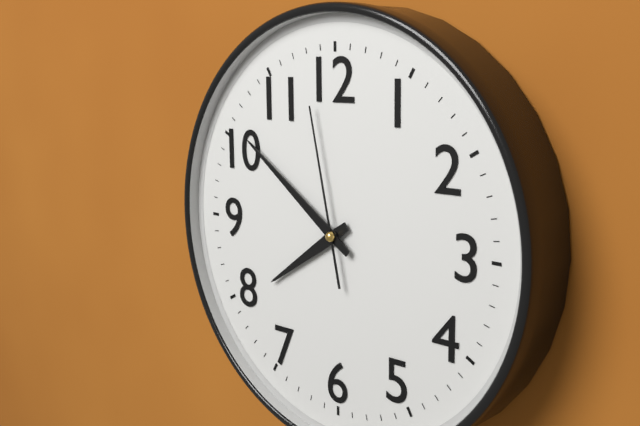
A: 7:51:58
